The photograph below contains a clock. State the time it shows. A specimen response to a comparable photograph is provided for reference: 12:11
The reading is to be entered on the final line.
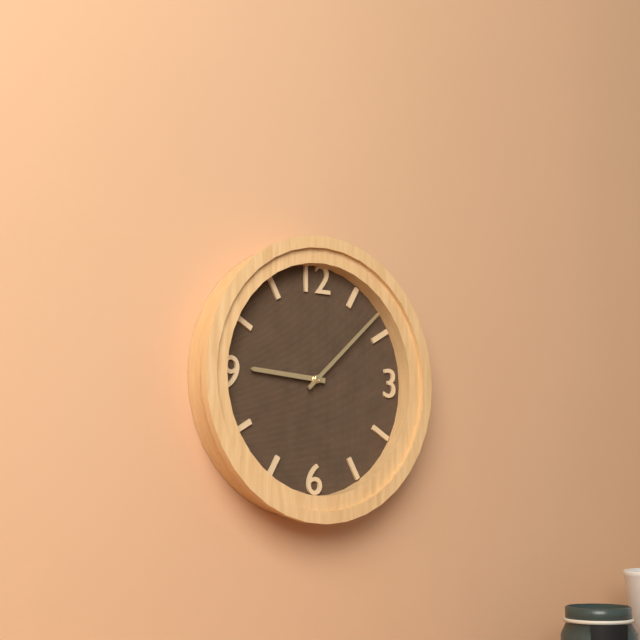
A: 9:08
